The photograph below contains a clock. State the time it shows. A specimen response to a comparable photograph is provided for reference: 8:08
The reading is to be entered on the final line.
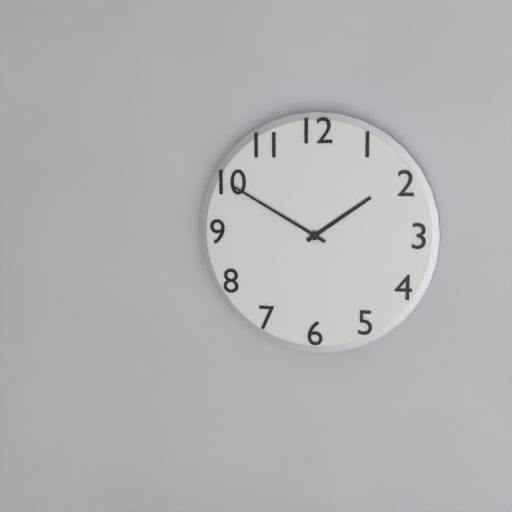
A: 1:50
